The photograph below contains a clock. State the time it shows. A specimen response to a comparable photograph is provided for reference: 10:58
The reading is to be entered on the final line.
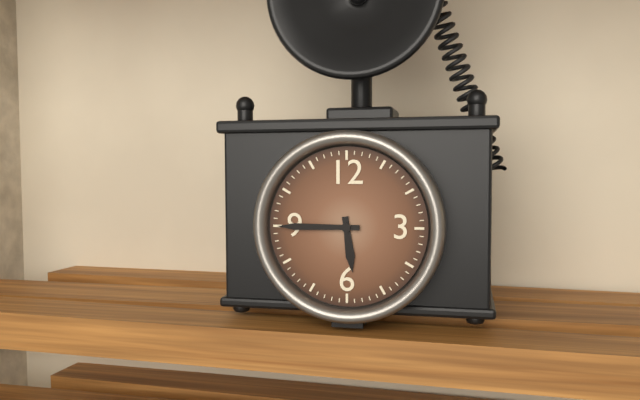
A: 5:45
